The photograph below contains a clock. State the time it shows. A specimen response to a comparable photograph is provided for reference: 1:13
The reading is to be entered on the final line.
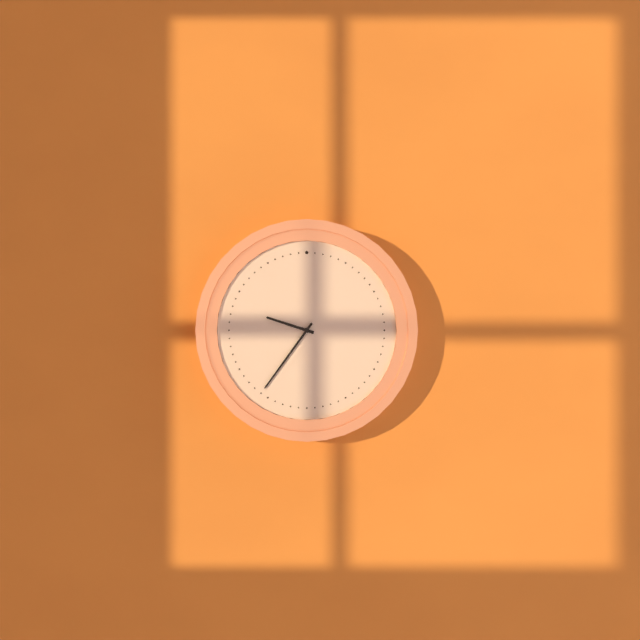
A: 9:36
